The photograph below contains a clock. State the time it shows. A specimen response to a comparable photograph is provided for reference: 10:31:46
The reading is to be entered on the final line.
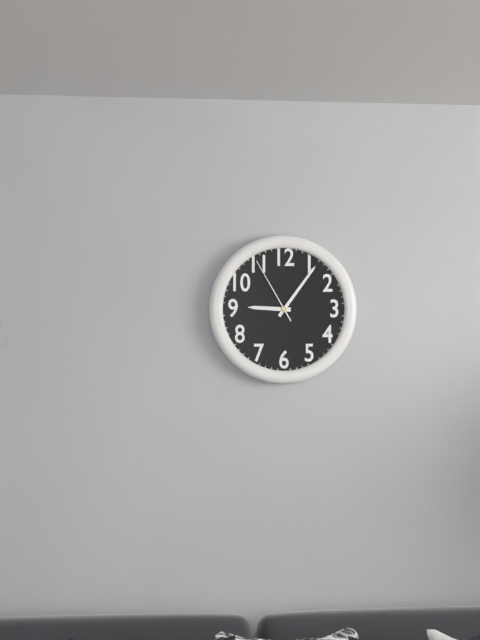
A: 9:06:55
